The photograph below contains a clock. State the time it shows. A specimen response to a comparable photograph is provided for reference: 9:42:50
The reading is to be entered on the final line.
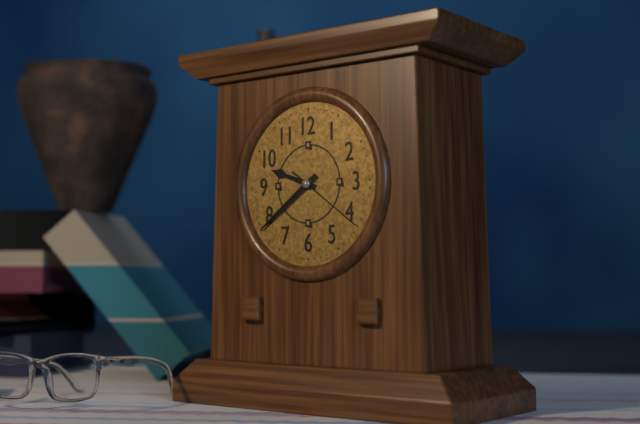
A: 9:39:21
